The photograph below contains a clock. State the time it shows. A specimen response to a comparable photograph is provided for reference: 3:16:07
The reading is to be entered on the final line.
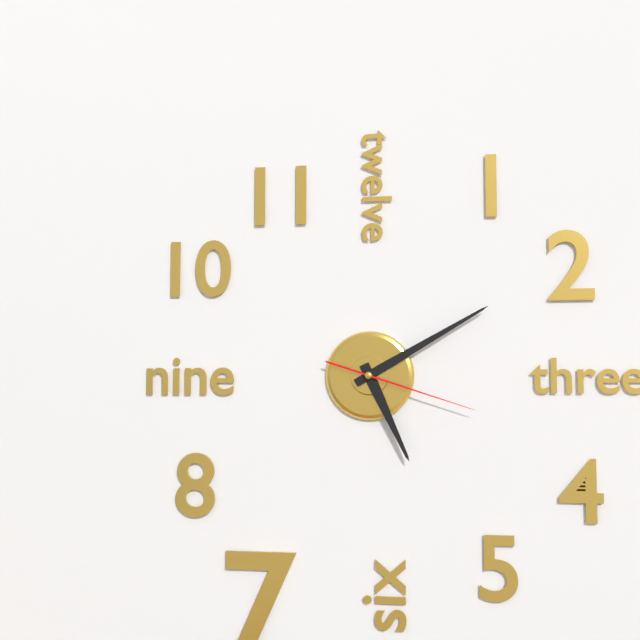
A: 5:10:18
